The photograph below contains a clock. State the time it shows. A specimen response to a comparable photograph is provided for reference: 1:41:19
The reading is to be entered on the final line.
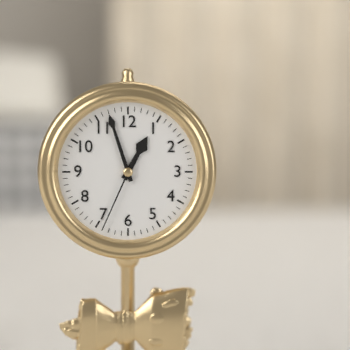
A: 12:57:34
